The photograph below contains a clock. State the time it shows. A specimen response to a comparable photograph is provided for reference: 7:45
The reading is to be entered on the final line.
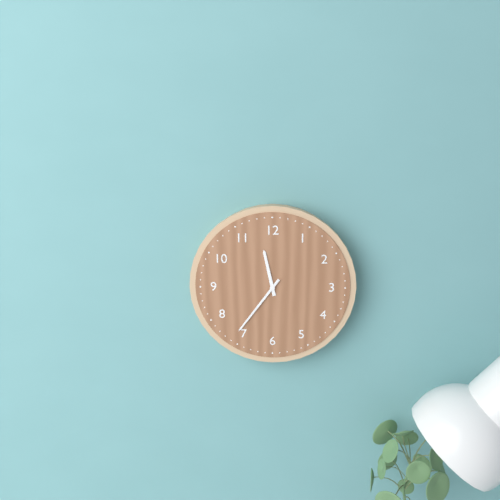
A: 11:36
